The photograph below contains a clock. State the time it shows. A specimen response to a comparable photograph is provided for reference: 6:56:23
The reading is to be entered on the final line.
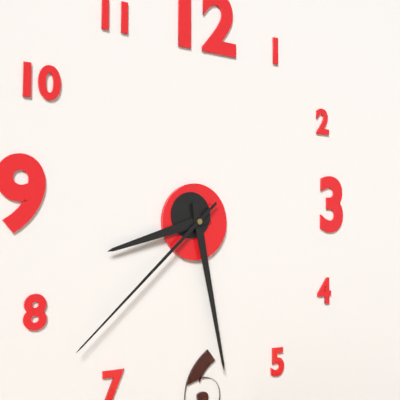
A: 8:28:38
